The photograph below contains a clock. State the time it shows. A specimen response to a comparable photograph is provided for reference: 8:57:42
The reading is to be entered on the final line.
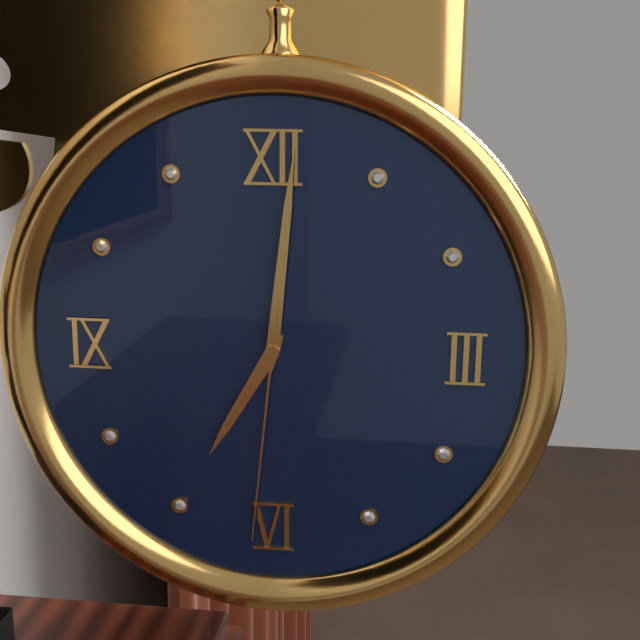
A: 7:01:31
